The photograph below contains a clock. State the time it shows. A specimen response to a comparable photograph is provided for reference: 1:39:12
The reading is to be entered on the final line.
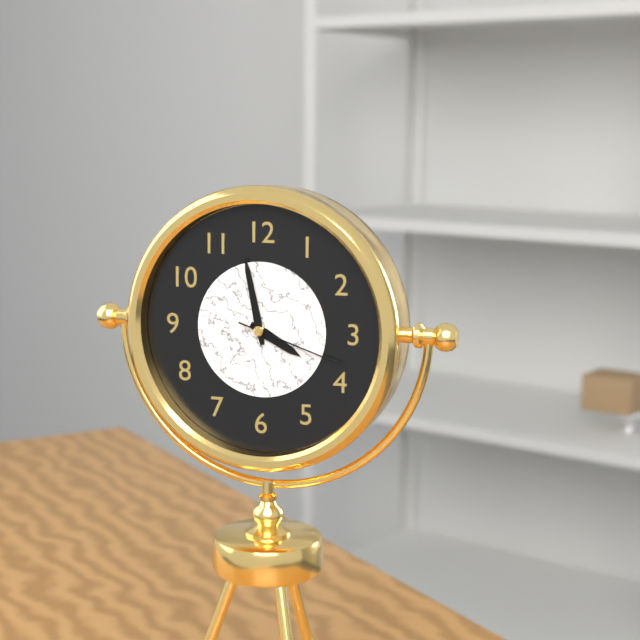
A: 3:58:18
